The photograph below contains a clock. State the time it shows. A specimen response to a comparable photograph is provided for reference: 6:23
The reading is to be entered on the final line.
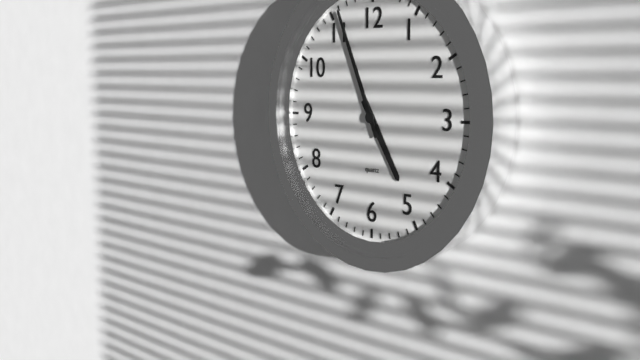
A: 4:56
